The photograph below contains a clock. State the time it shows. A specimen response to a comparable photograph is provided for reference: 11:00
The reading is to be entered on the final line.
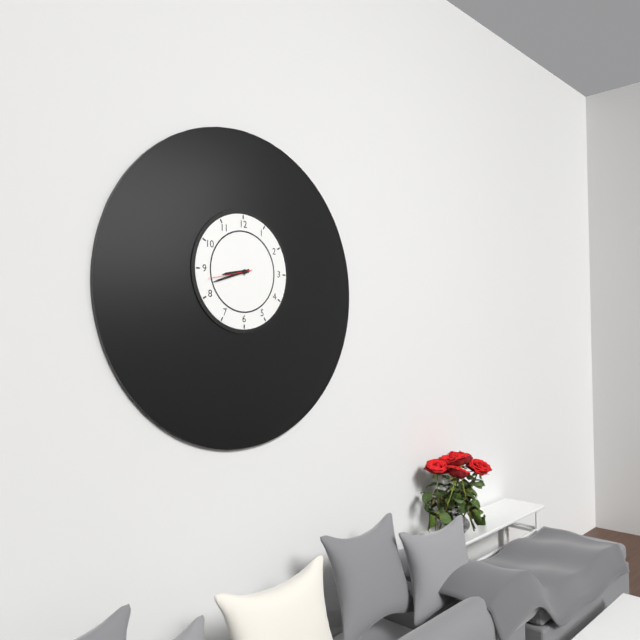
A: 8:42
